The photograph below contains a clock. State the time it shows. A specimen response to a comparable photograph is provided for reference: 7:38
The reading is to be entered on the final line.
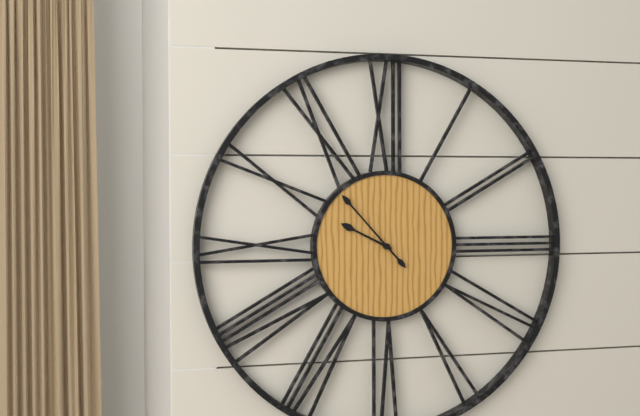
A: 9:53
